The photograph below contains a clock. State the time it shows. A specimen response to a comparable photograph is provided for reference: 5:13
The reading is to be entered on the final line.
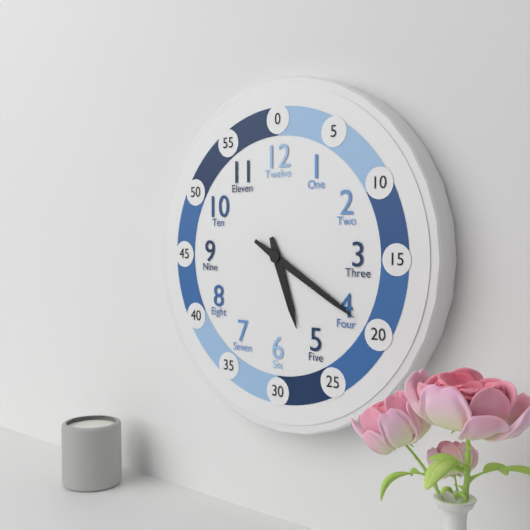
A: 5:20
